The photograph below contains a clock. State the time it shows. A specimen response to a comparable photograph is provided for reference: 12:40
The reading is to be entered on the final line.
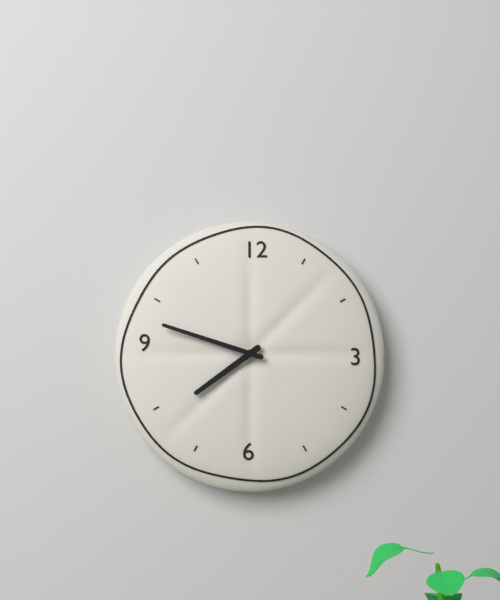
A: 7:48
